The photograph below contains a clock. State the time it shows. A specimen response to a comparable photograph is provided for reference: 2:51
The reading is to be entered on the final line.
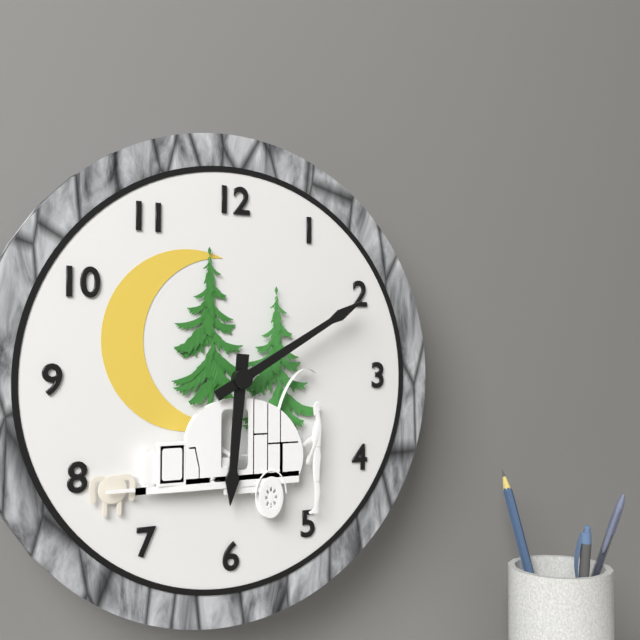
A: 6:10
